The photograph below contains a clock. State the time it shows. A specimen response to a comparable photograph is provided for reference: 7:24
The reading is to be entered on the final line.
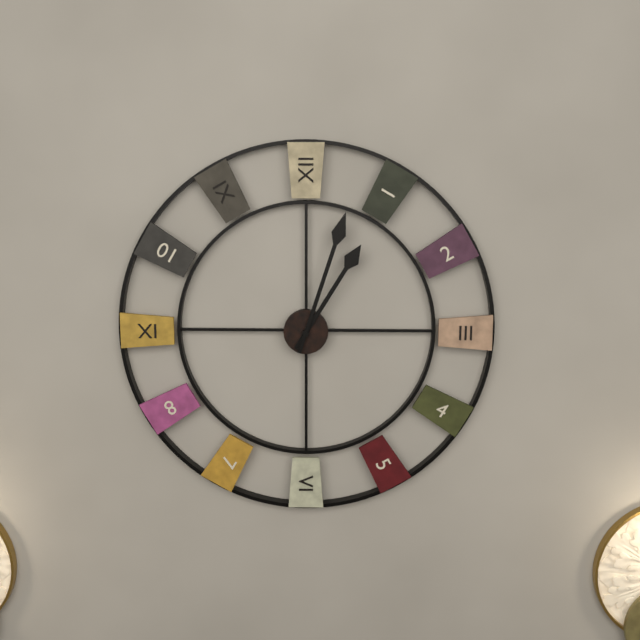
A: 1:03
